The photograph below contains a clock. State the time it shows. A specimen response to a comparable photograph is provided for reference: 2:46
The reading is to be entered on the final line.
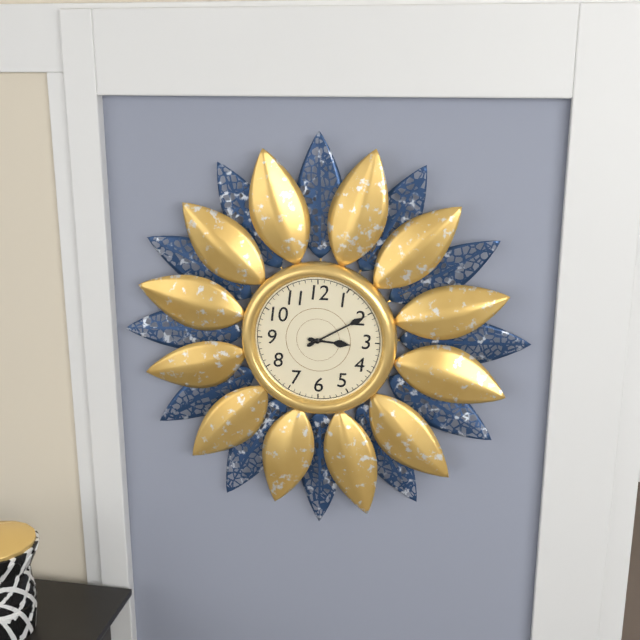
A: 3:10
